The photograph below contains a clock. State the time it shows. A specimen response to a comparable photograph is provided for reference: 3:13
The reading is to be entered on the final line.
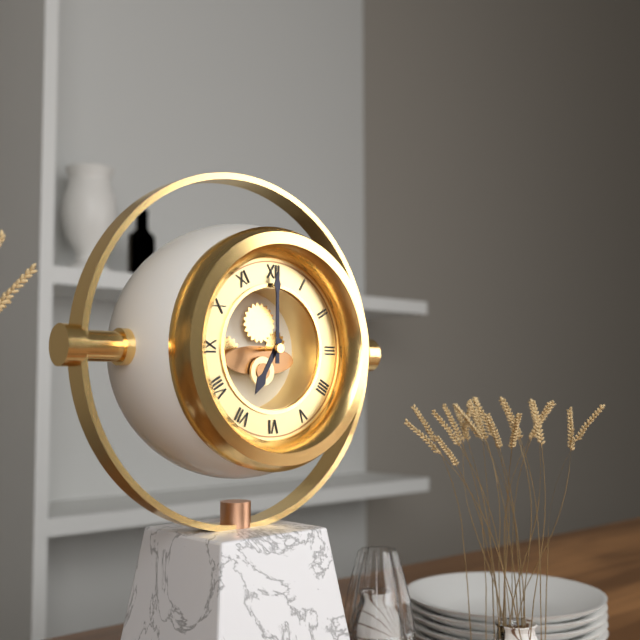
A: 7:00
